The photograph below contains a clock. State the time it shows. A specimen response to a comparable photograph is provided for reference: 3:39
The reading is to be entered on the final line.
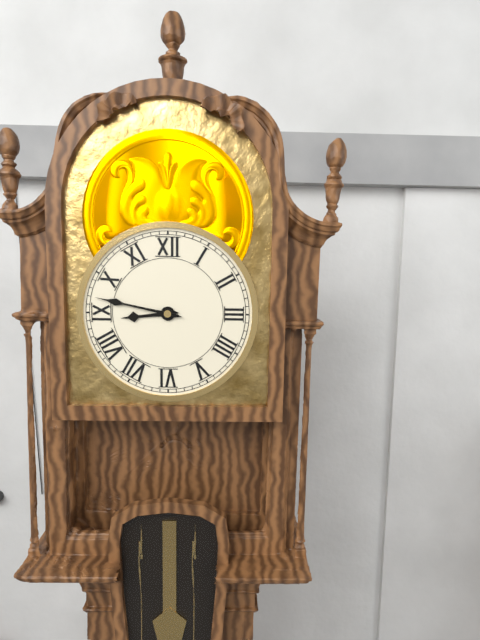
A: 8:47
